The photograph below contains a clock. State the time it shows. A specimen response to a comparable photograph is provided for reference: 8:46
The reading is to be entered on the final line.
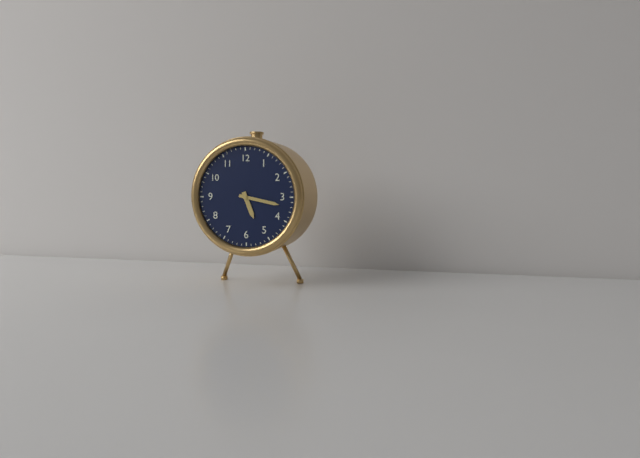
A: 5:17
